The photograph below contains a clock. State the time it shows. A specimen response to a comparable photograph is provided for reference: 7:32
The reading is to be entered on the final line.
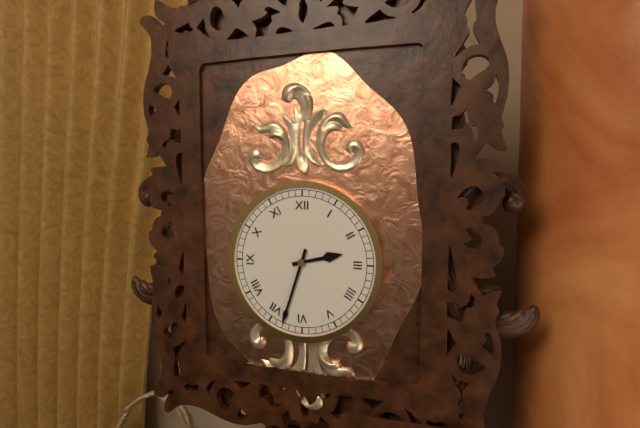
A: 2:33
